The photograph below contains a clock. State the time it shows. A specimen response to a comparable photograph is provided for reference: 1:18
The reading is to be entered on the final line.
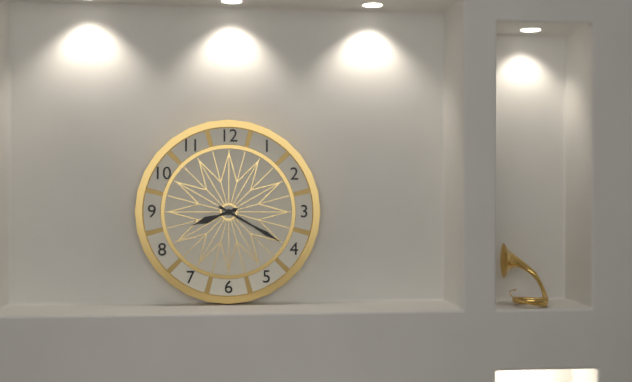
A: 8:20
